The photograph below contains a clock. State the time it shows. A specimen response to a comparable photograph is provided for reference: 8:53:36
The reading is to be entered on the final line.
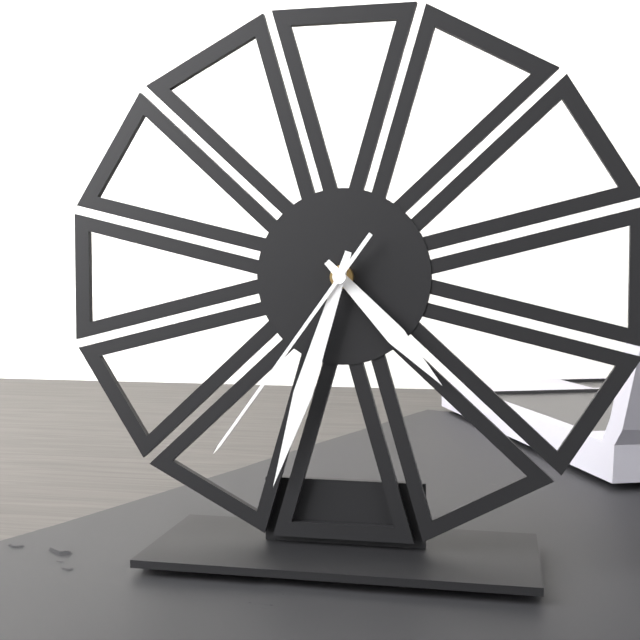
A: 4:33:36
